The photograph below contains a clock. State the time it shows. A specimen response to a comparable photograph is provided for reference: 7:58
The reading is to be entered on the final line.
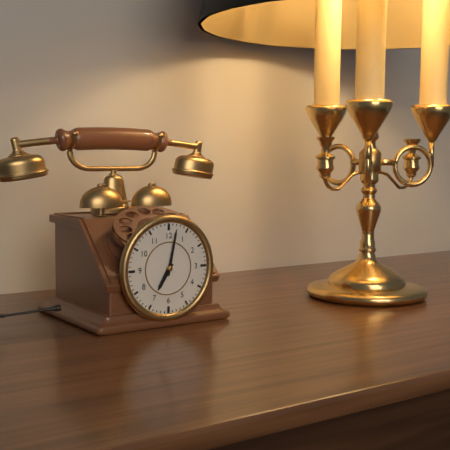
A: 7:02
